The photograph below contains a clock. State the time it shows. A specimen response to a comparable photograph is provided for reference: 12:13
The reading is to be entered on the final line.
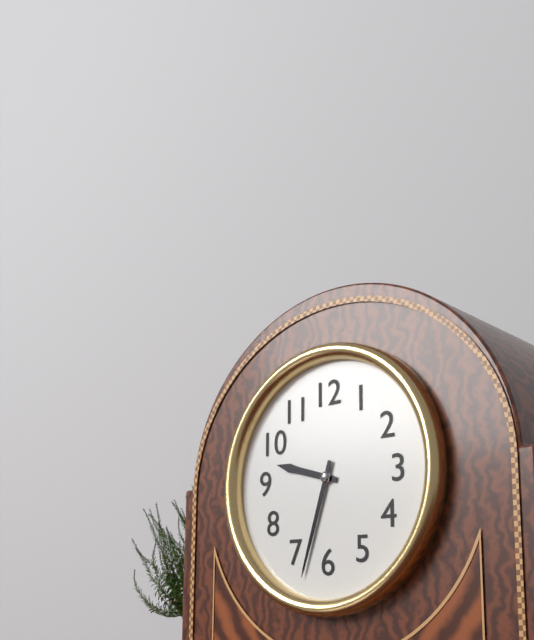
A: 9:33
